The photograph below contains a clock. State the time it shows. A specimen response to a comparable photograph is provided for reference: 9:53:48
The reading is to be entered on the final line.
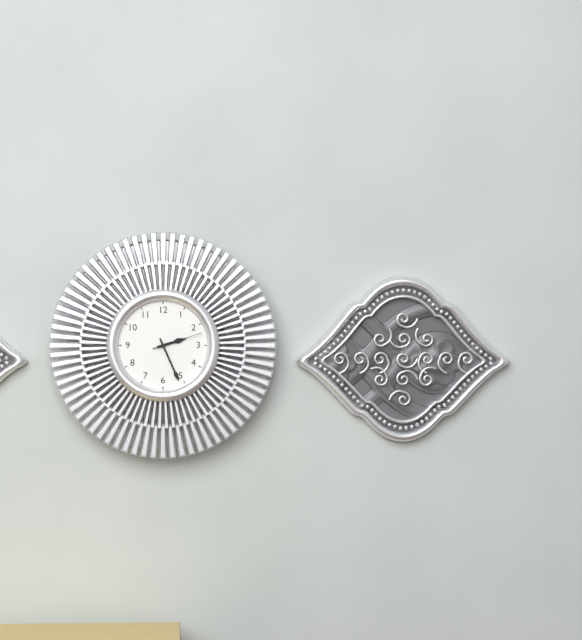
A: 2:26:12
